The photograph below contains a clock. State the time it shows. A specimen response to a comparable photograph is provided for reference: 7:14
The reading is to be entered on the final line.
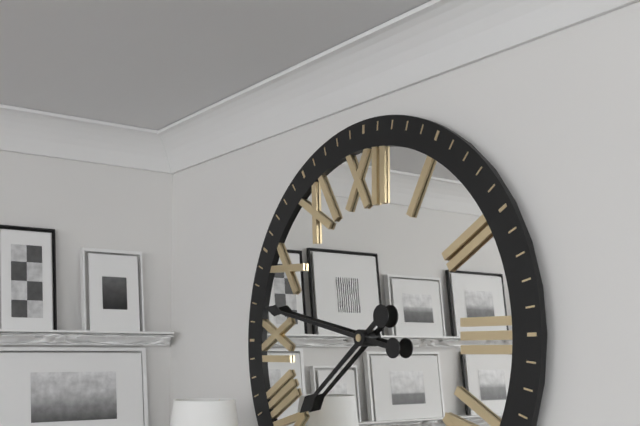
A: 7:47
